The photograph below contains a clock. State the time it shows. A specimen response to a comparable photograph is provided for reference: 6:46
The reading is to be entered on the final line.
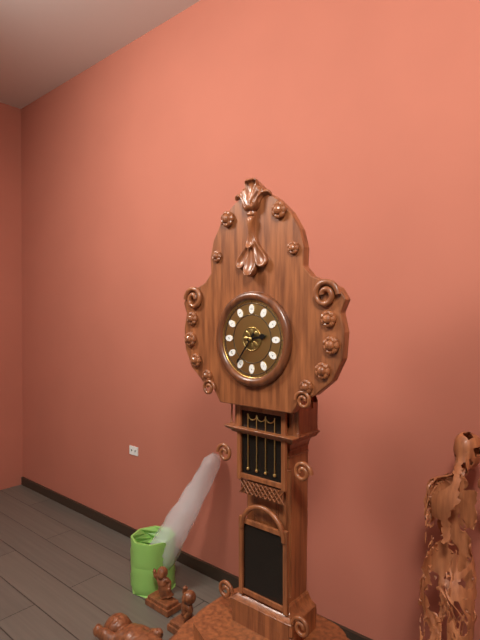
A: 2:36
